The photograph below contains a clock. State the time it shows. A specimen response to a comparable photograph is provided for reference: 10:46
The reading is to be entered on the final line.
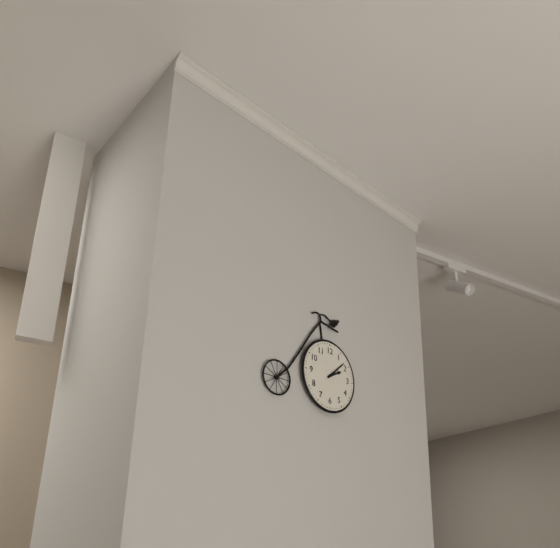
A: 2:08
